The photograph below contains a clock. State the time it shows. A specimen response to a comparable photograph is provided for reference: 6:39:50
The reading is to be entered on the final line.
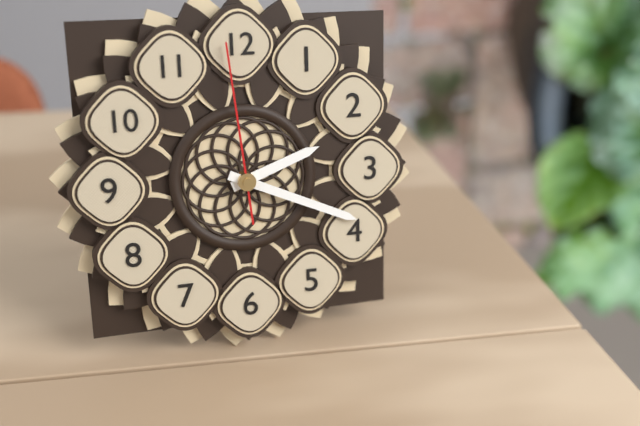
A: 2:19:59
